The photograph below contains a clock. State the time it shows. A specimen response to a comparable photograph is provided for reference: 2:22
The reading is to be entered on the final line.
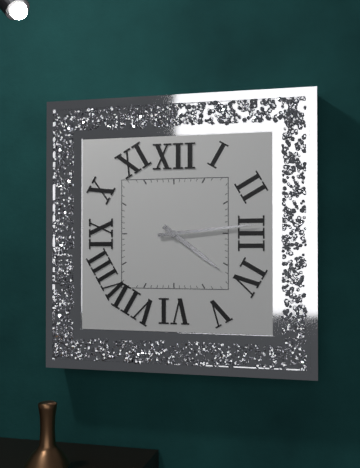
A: 4:14
